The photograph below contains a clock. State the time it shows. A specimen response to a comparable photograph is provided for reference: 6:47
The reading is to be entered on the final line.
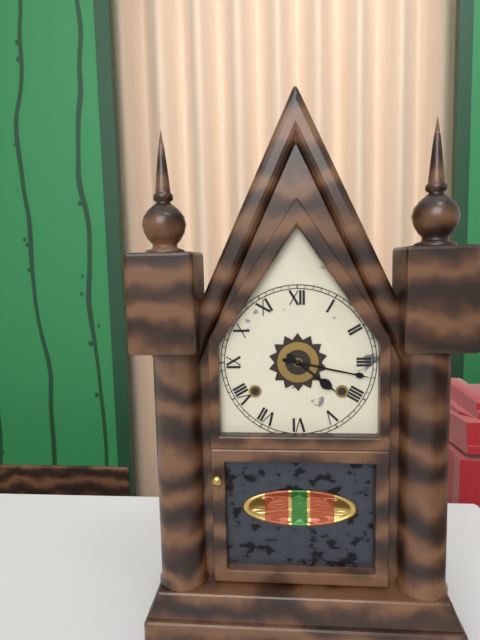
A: 4:17
